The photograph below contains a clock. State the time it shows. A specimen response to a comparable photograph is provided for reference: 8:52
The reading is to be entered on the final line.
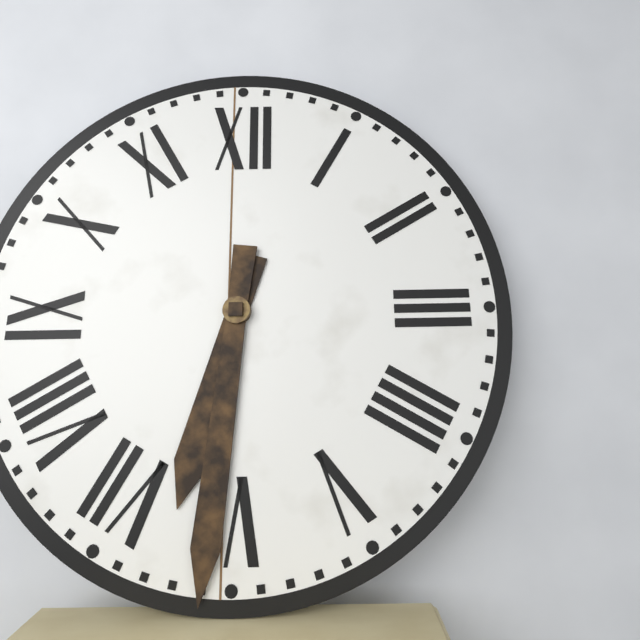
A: 6:31
